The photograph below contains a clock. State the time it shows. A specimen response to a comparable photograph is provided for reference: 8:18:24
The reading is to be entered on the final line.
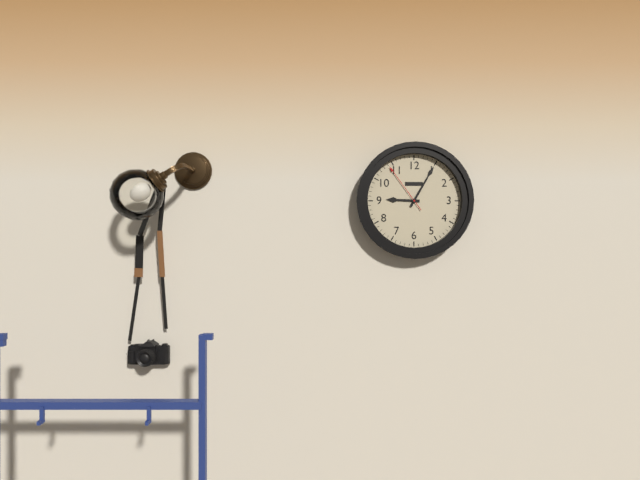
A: 9:05:54
